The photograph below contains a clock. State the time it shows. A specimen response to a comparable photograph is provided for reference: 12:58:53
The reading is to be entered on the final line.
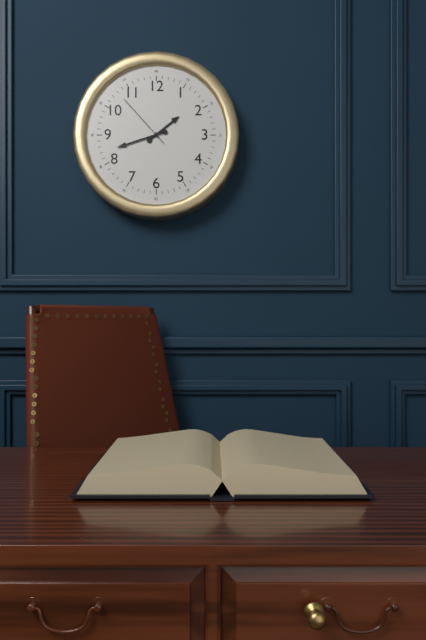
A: 1:42:53
